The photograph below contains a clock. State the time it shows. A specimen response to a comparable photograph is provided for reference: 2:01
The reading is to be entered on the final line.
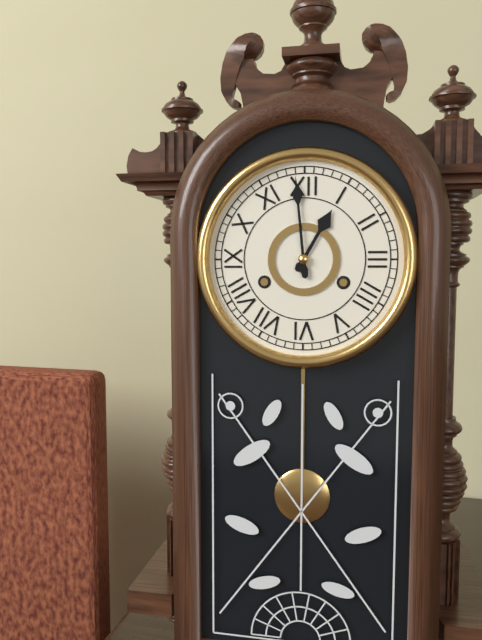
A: 12:59
